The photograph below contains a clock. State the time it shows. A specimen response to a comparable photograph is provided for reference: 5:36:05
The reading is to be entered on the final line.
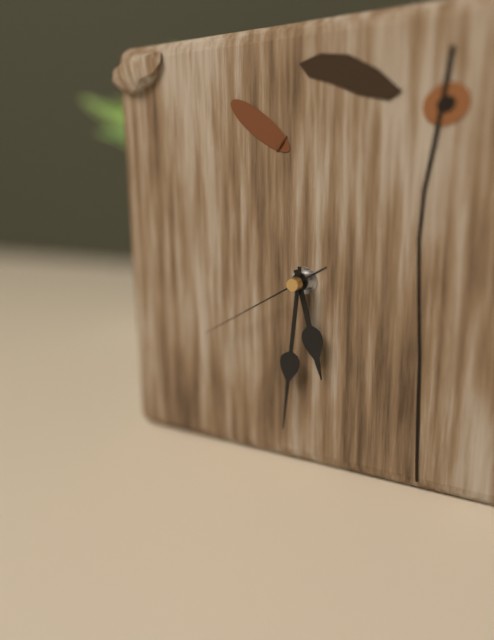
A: 5:31:40
